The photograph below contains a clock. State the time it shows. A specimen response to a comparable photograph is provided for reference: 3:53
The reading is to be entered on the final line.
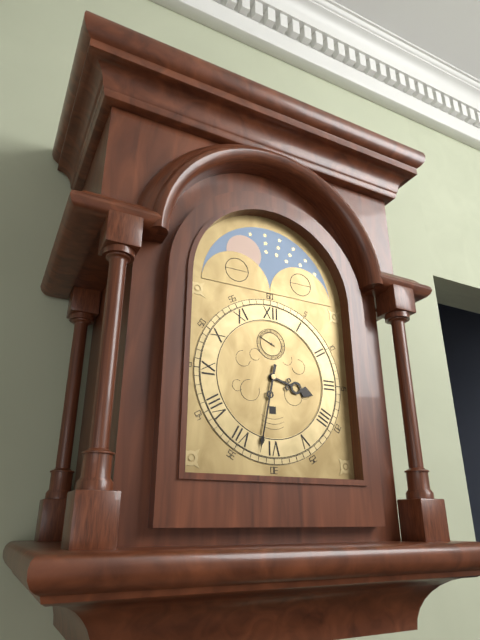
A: 3:32
